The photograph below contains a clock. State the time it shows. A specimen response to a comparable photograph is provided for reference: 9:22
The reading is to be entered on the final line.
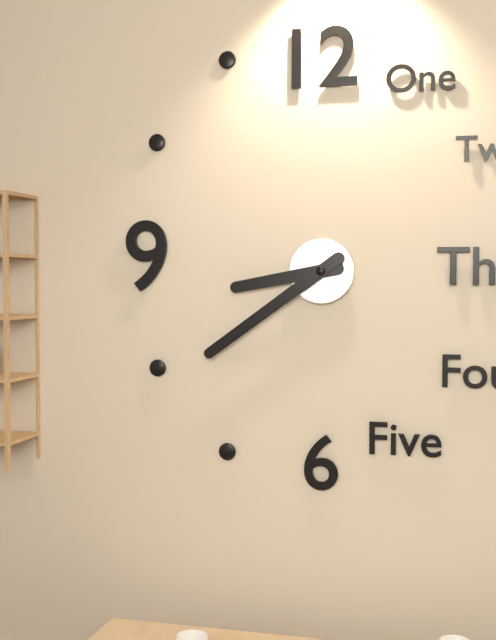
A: 8:39
